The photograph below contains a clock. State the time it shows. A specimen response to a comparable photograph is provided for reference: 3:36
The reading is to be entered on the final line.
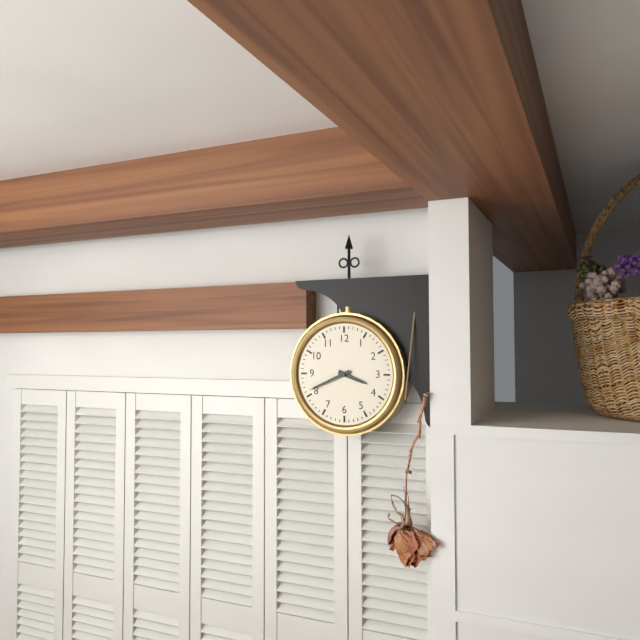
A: 3:41
